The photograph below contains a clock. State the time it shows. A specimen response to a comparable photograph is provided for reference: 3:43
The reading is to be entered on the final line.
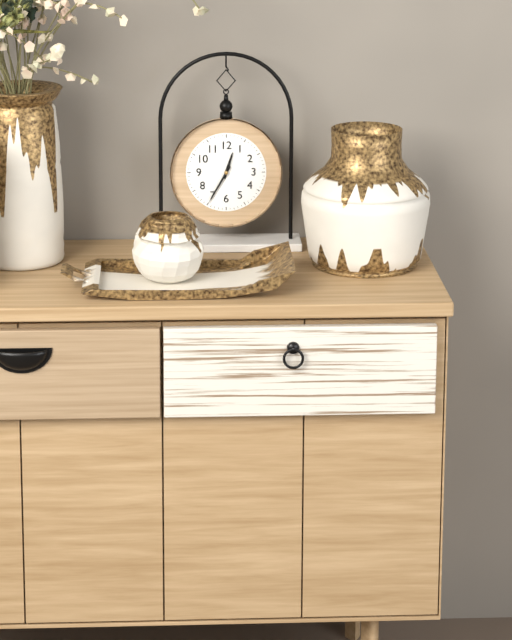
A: 12:35
